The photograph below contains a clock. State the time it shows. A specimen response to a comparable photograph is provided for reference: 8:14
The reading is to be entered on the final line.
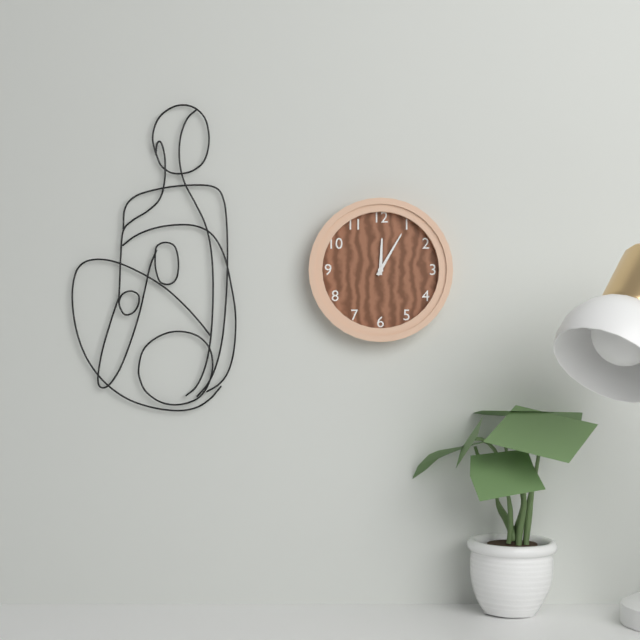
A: 12:05
